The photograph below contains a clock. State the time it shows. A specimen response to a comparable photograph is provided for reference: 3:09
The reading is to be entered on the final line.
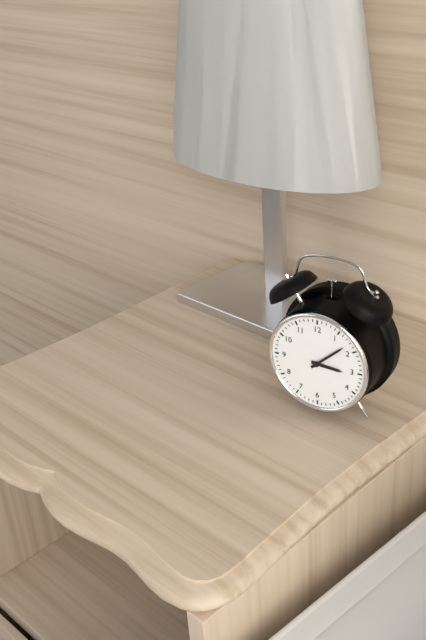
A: 3:08
